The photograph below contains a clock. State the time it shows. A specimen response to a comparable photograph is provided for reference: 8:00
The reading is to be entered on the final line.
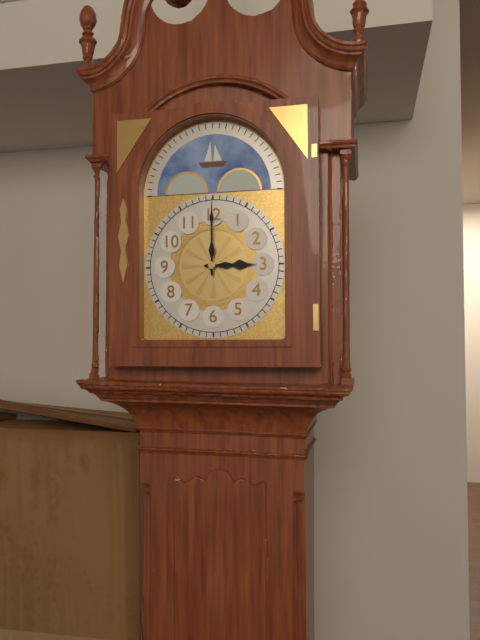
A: 3:00
